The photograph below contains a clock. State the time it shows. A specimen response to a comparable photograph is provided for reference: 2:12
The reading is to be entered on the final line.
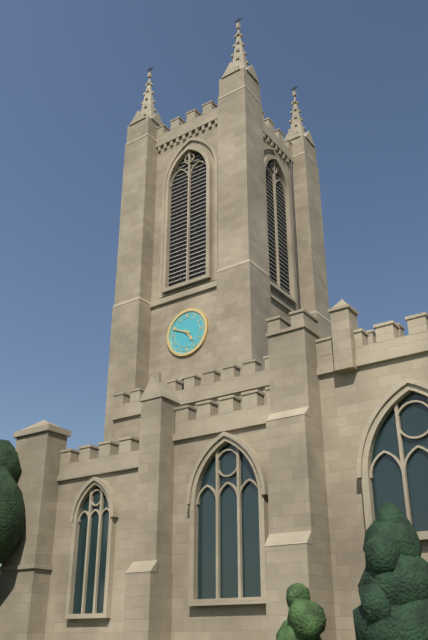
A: 4:49
